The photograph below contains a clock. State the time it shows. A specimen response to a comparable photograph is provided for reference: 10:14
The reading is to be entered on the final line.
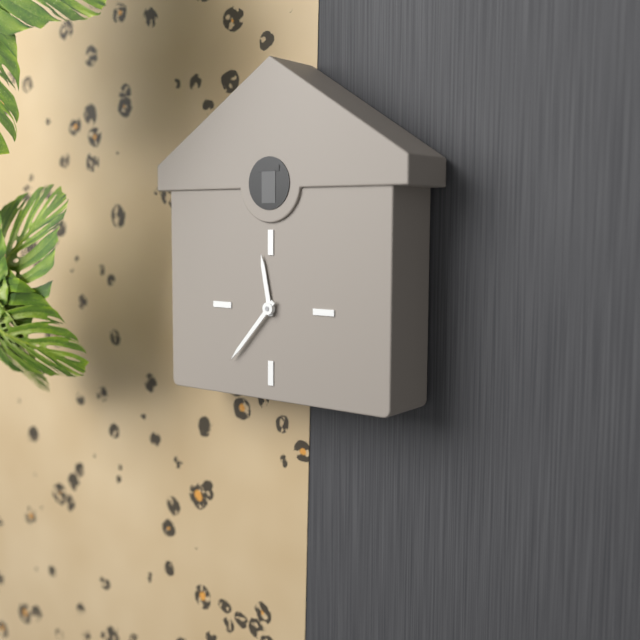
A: 11:37
